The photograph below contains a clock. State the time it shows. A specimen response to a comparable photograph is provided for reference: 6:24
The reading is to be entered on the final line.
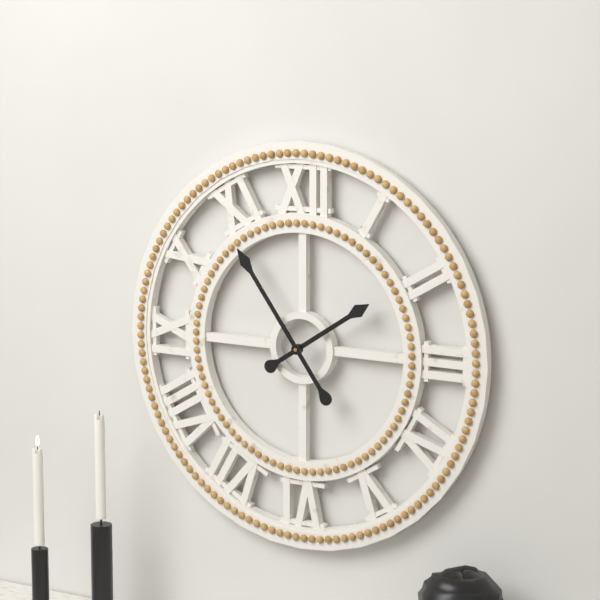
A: 1:54
